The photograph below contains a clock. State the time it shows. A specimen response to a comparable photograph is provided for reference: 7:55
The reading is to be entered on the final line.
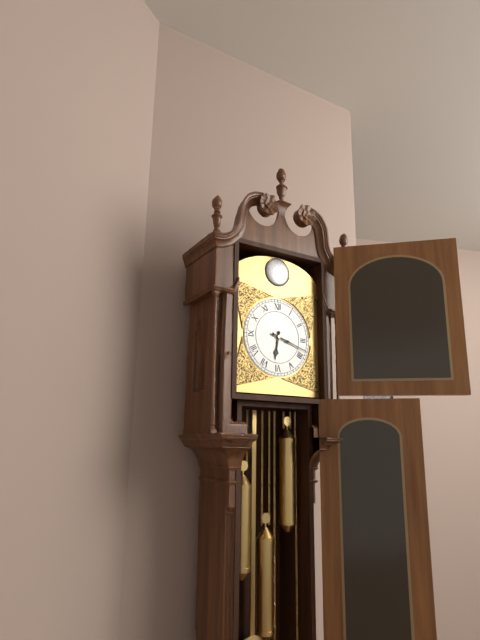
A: 6:18
